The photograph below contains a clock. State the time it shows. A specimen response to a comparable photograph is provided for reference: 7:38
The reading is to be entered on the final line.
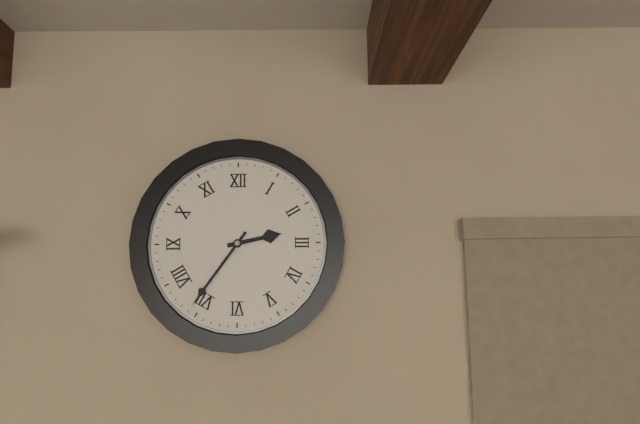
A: 2:36
